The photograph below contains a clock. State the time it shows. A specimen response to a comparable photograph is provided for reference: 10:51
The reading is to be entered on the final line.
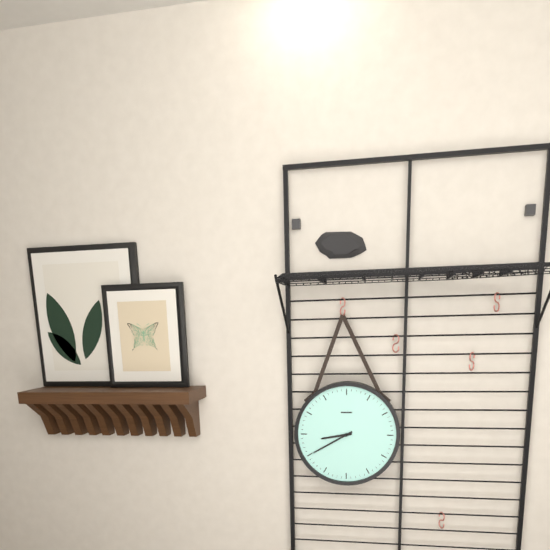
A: 8:40
